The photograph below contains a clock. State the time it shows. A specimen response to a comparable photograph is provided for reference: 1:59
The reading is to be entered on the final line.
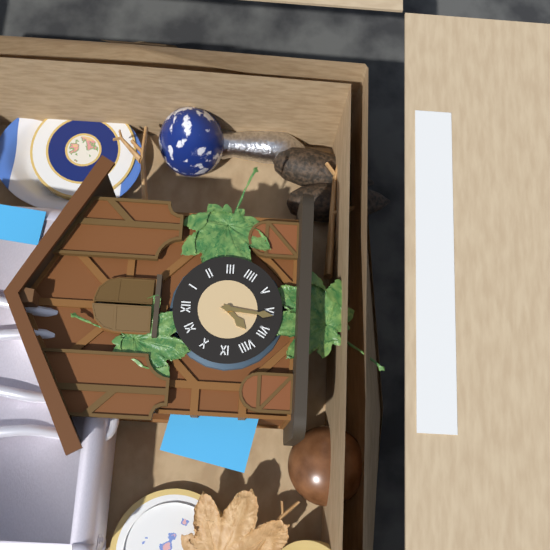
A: 7:31
